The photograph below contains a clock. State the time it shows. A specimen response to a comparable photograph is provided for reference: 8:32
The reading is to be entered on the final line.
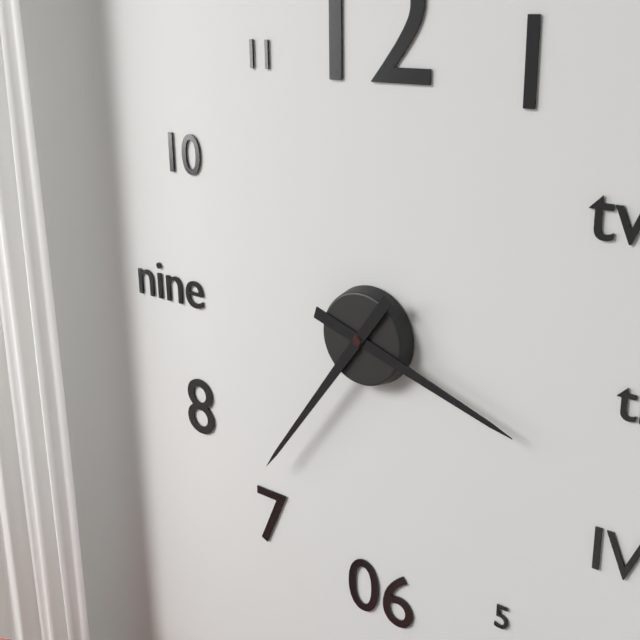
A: 3:36
